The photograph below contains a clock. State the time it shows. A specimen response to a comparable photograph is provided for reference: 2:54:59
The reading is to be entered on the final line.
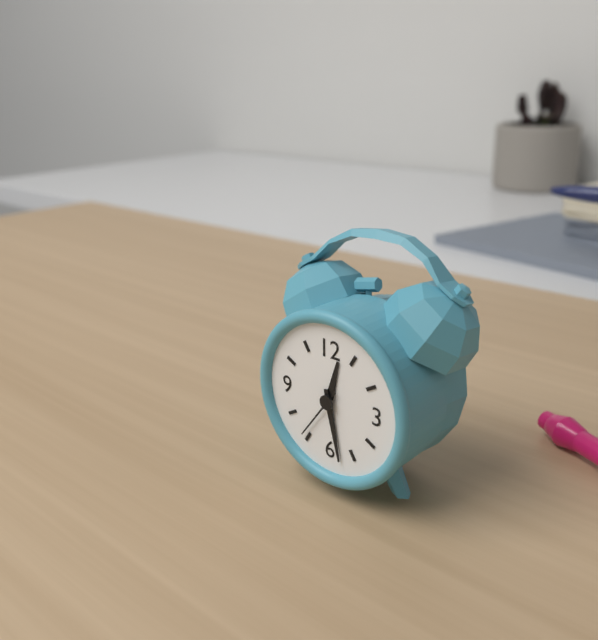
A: 12:28:36
